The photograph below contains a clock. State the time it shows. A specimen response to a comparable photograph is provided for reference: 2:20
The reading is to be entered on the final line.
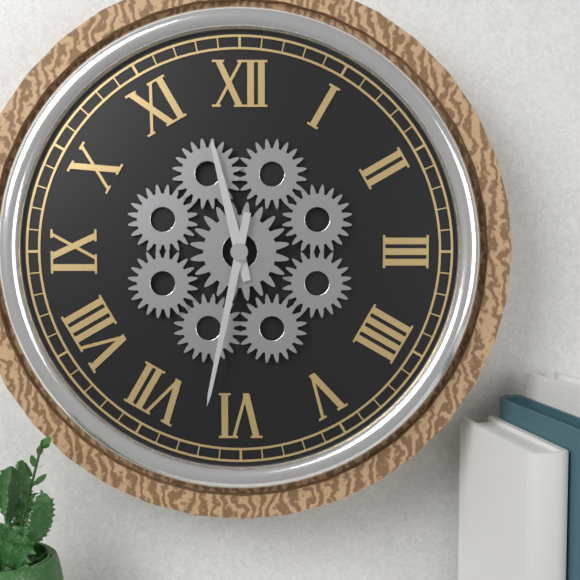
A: 11:32
